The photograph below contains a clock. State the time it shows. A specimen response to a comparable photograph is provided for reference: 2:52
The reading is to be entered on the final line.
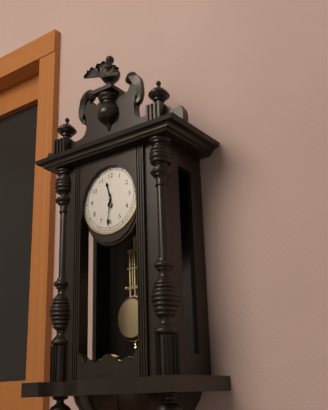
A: 11:31
